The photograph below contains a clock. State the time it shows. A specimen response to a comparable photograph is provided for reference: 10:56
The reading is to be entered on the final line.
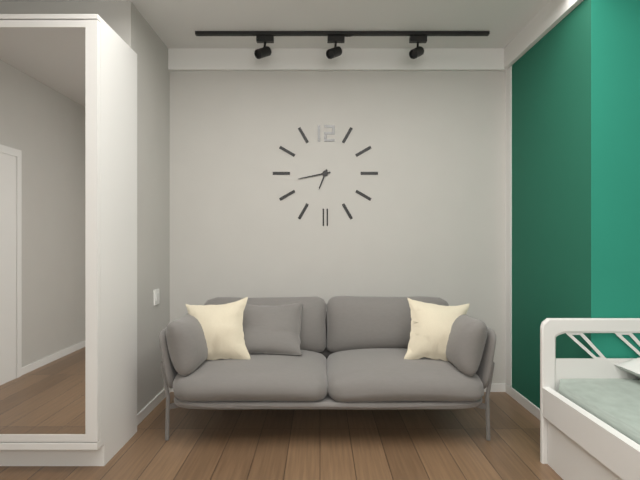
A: 6:43
